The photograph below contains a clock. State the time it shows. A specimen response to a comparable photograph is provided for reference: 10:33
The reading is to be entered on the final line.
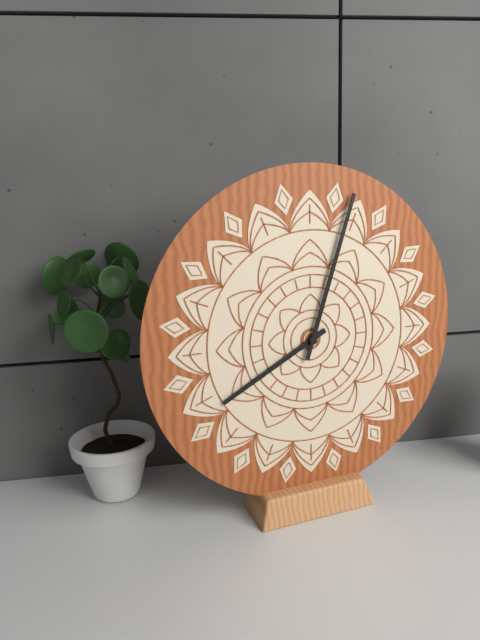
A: 8:03
